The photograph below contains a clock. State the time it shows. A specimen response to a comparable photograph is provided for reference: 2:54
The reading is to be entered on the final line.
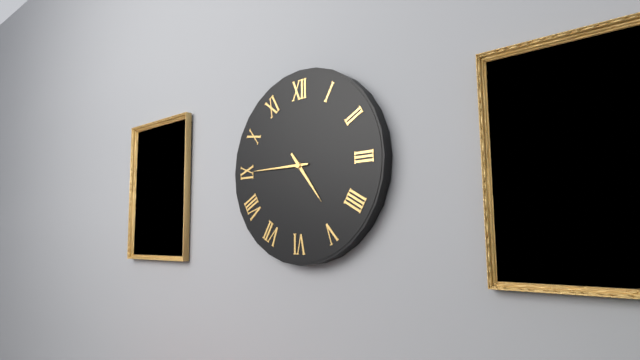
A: 4:45
